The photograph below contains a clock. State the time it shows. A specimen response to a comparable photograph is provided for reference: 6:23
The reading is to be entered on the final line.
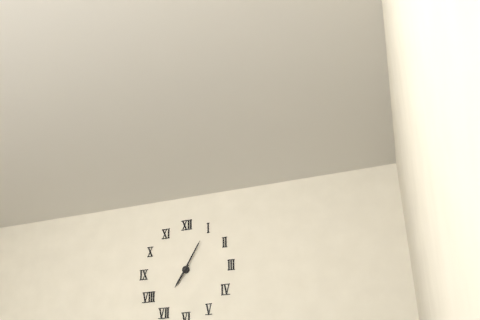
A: 7:05
